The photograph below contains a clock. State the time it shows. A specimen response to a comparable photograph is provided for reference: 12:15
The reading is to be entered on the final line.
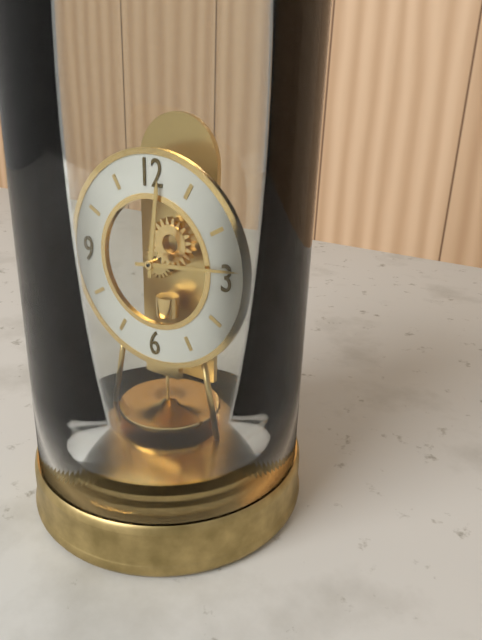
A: 12:14
